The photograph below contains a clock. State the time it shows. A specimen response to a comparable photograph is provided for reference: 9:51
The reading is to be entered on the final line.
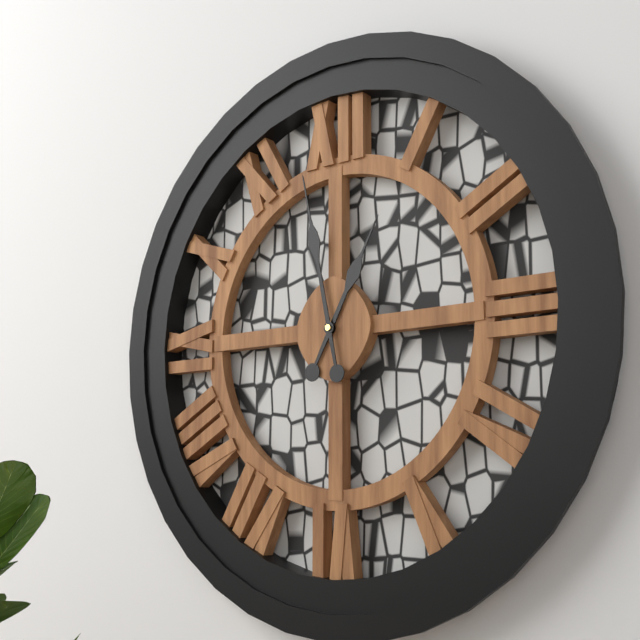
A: 12:58
